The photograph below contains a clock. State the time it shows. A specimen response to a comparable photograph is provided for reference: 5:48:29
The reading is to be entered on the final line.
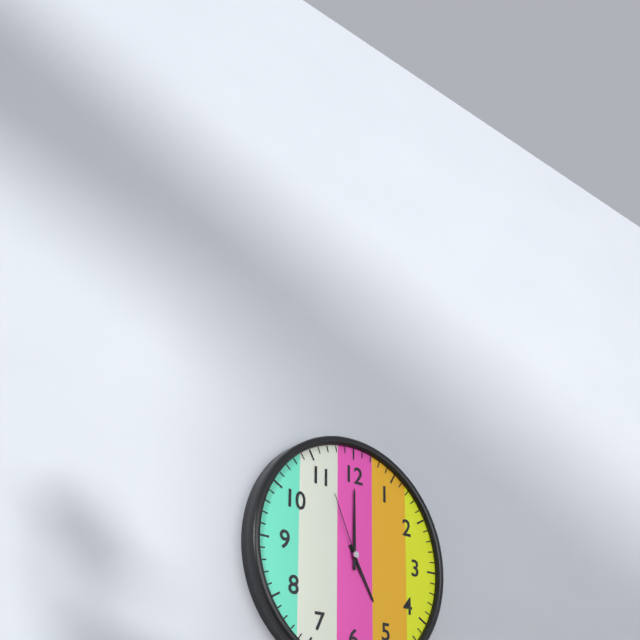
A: 5:00:56
